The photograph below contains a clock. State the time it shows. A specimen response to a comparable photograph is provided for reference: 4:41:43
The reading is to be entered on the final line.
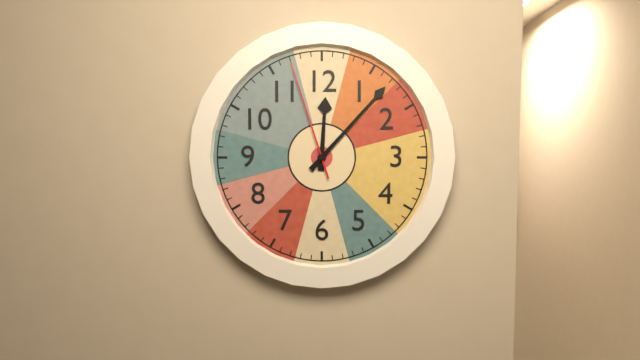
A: 12:07:57
